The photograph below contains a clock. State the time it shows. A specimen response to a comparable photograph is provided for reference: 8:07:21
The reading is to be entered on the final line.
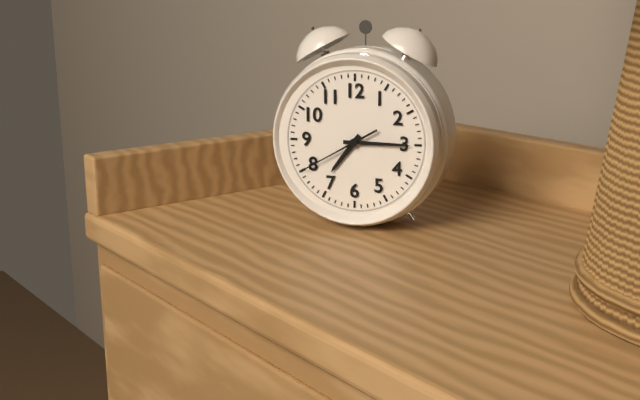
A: 7:15:40
